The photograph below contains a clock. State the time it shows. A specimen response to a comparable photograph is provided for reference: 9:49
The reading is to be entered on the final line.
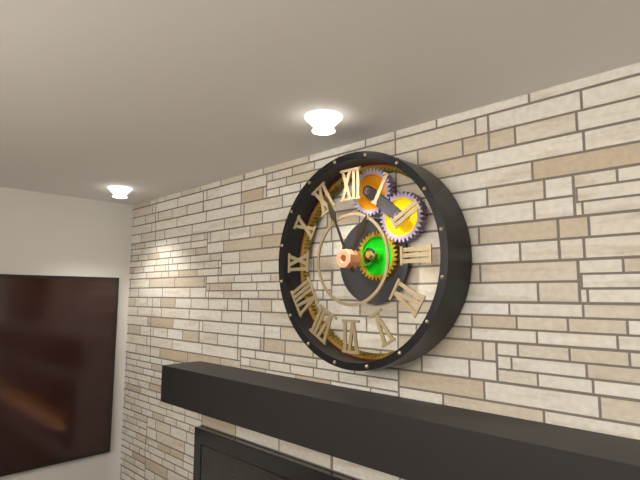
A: 12:56
